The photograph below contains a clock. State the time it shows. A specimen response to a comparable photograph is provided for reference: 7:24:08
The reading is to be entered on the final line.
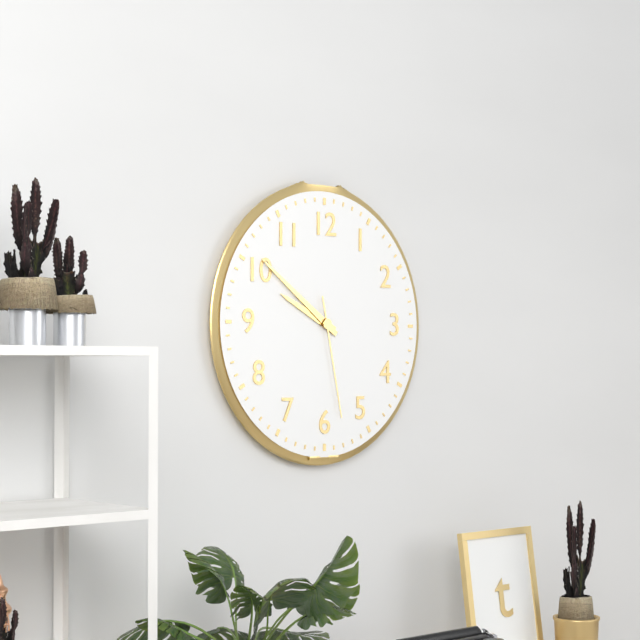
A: 9:51:28
